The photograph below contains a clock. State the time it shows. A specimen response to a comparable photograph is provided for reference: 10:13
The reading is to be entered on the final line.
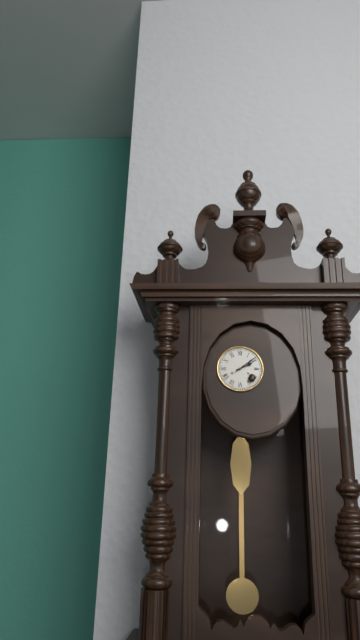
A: 2:09
